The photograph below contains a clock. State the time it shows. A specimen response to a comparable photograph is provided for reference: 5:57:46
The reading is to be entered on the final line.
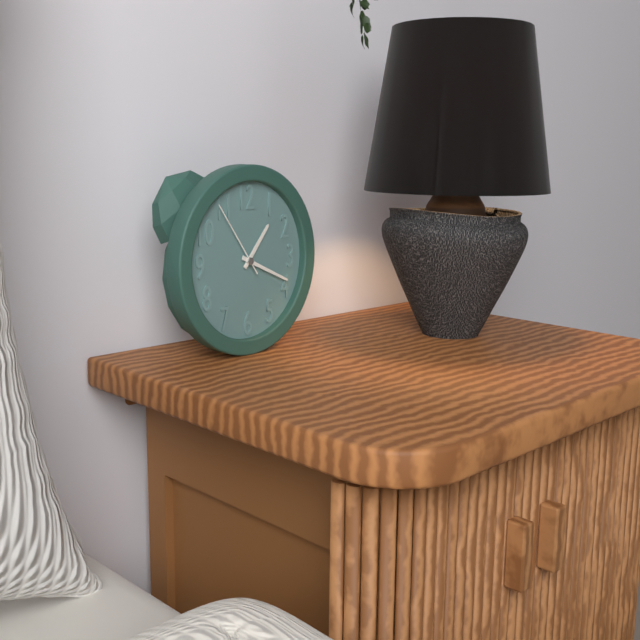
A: 1:19:54
